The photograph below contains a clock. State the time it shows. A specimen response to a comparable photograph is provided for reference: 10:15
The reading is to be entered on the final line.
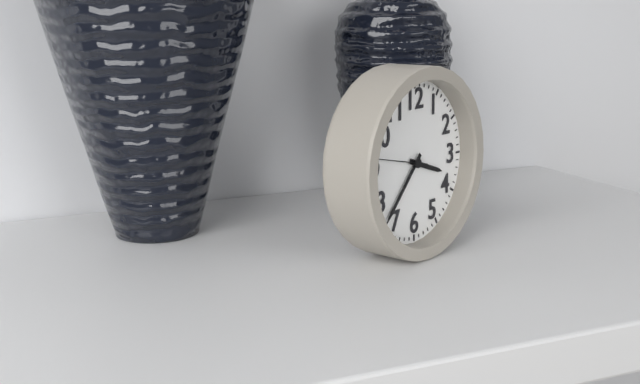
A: 3:37
